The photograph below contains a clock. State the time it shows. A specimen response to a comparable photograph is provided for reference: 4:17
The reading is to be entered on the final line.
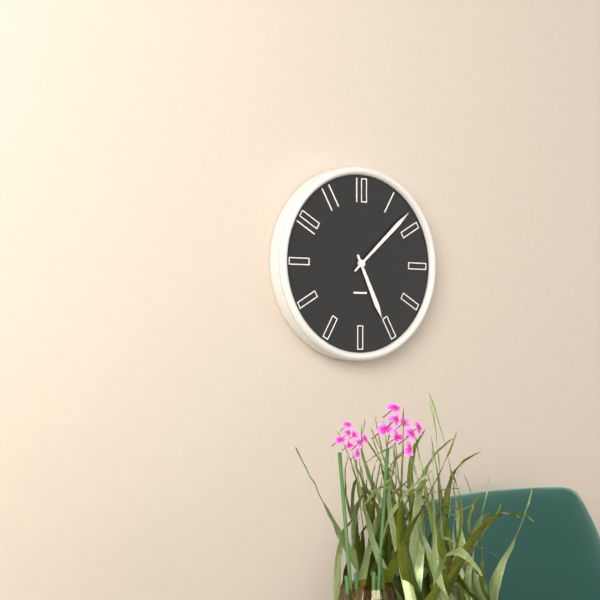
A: 5:08
